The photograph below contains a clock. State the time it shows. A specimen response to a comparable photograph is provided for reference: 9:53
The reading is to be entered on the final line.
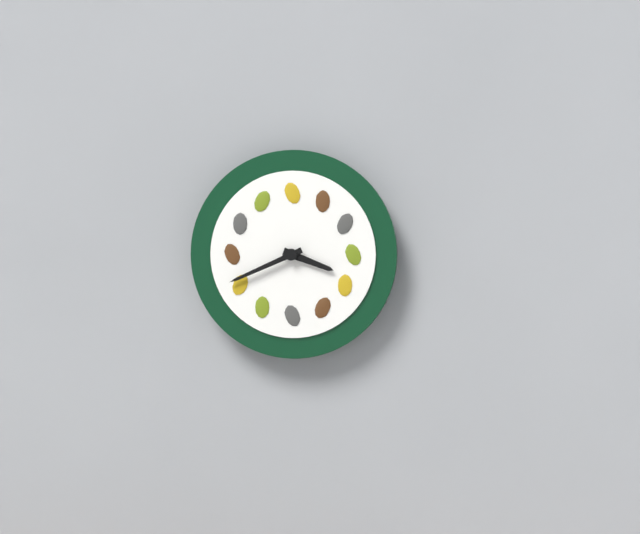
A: 3:41
